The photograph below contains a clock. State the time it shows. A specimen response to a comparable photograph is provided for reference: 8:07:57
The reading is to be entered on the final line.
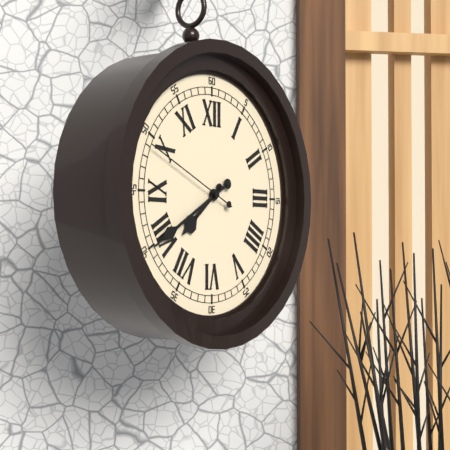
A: 7:40:49
